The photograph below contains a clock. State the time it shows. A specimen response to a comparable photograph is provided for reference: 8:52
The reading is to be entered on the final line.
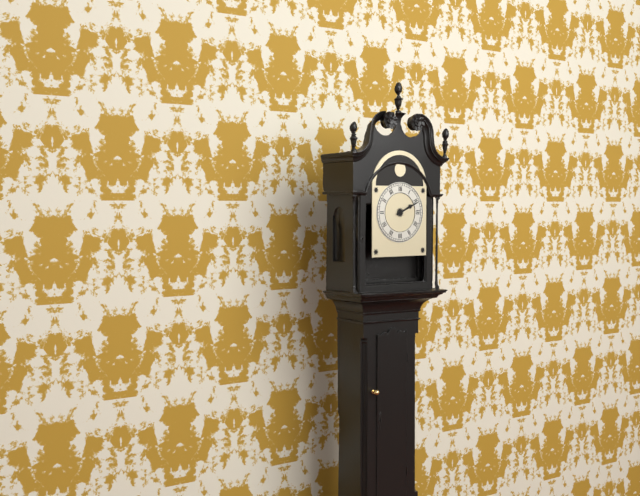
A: 2:11
